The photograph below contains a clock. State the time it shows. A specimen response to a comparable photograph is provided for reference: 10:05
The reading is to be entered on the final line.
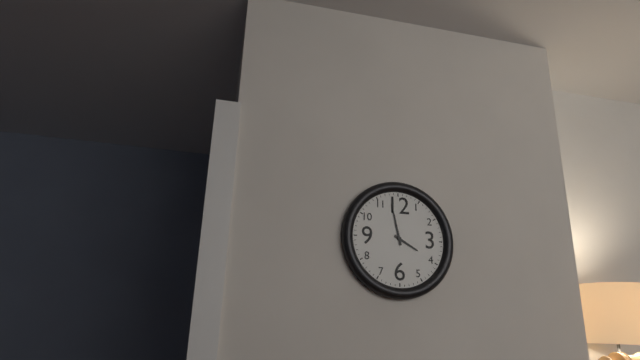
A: 3:58
